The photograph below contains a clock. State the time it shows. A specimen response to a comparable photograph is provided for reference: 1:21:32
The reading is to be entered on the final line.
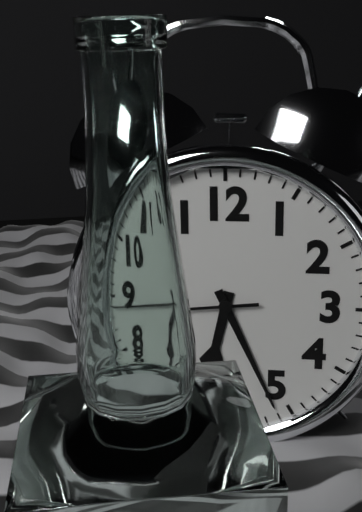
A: 6:26:44
